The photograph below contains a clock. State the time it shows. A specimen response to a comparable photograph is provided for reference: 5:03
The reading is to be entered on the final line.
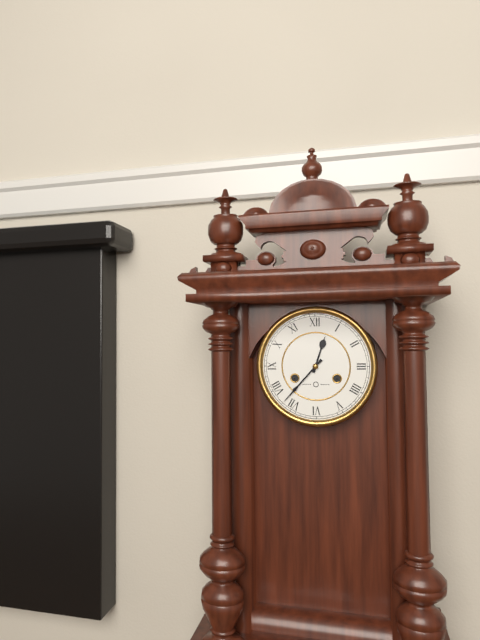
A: 12:37
